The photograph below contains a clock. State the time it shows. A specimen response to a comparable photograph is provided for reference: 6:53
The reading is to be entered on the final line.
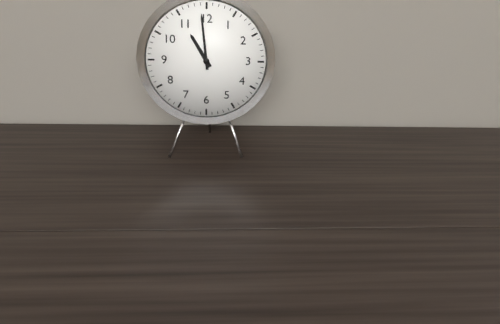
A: 10:59
